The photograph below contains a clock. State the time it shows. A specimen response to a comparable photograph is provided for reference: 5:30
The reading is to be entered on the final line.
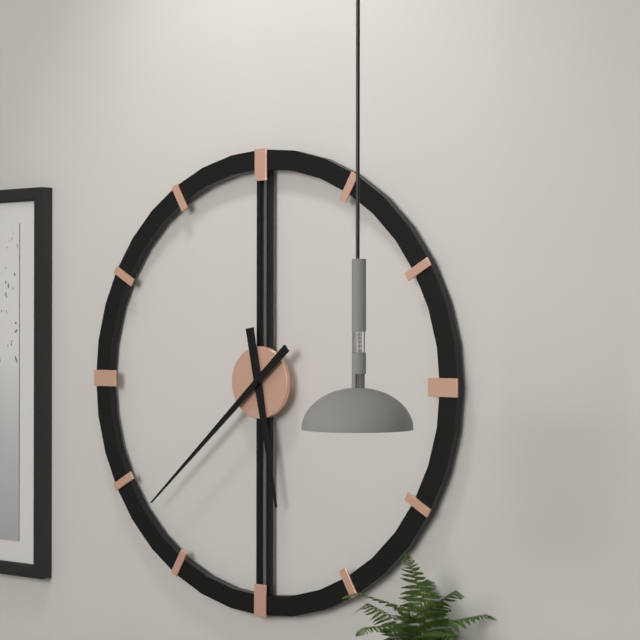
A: 5:38
